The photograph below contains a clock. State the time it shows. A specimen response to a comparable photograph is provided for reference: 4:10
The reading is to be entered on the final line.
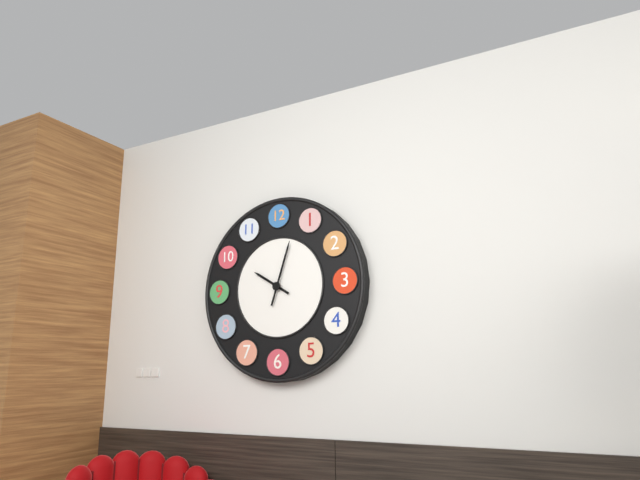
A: 10:03
